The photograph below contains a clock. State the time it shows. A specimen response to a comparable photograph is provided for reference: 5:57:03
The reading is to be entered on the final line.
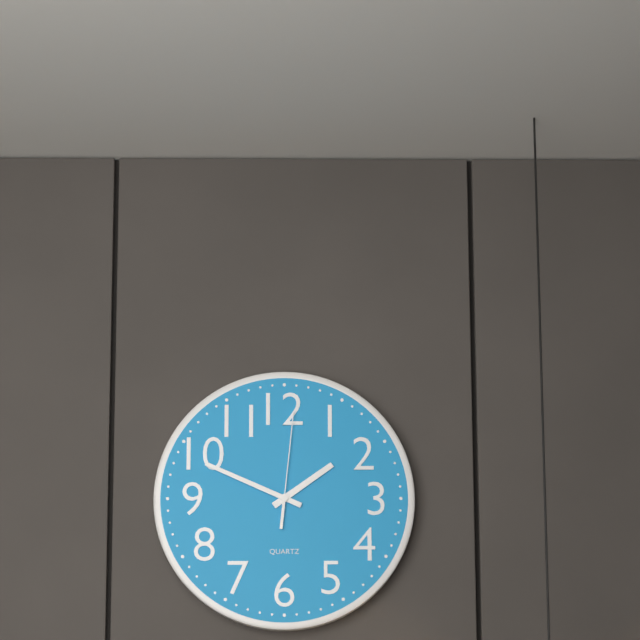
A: 1:49:01
